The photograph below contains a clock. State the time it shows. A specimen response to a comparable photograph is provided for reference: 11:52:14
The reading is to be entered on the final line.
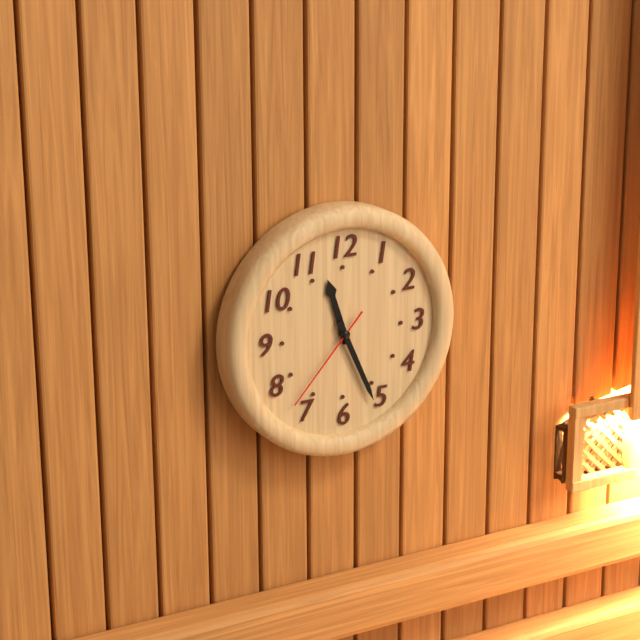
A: 11:26:37
